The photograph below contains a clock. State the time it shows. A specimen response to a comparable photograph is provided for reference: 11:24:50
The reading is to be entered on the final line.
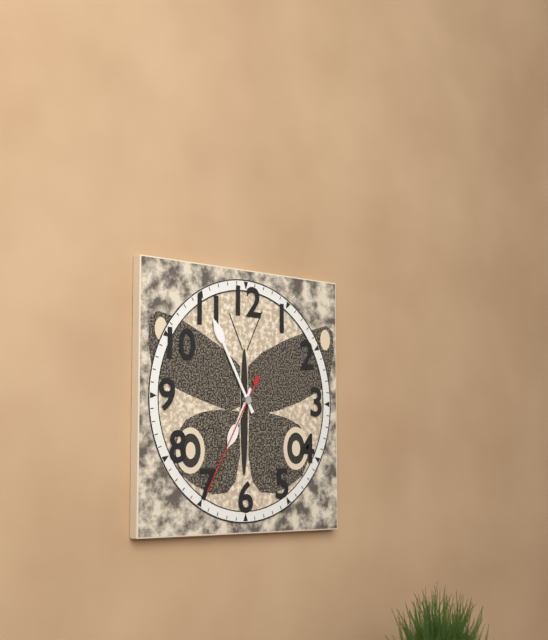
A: 6:55:35
